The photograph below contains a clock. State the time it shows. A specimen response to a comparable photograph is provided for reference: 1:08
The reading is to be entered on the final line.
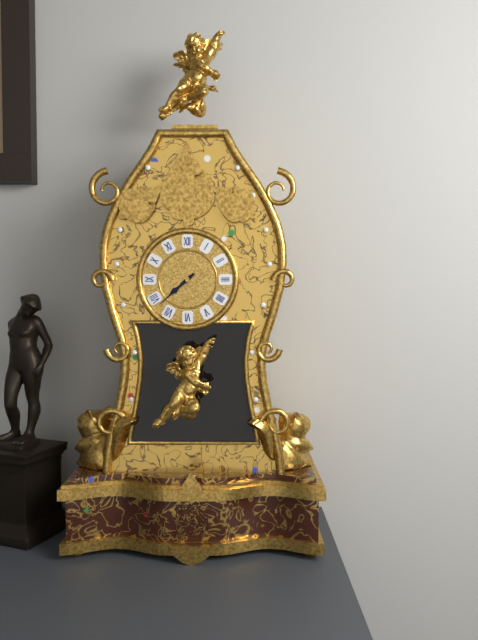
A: 7:38
